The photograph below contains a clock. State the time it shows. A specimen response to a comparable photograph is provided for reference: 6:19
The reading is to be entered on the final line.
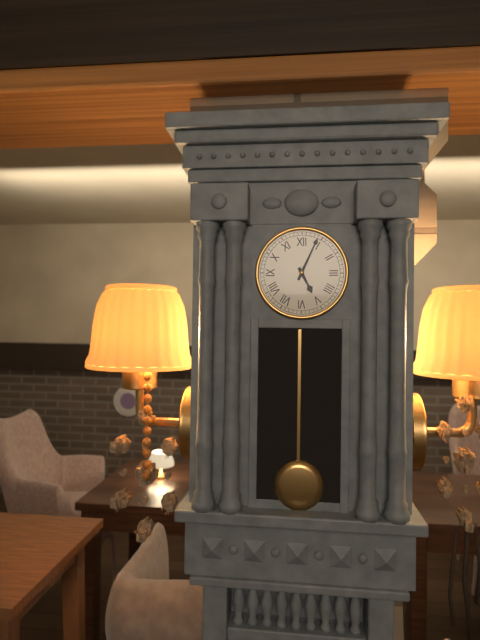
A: 5:04
